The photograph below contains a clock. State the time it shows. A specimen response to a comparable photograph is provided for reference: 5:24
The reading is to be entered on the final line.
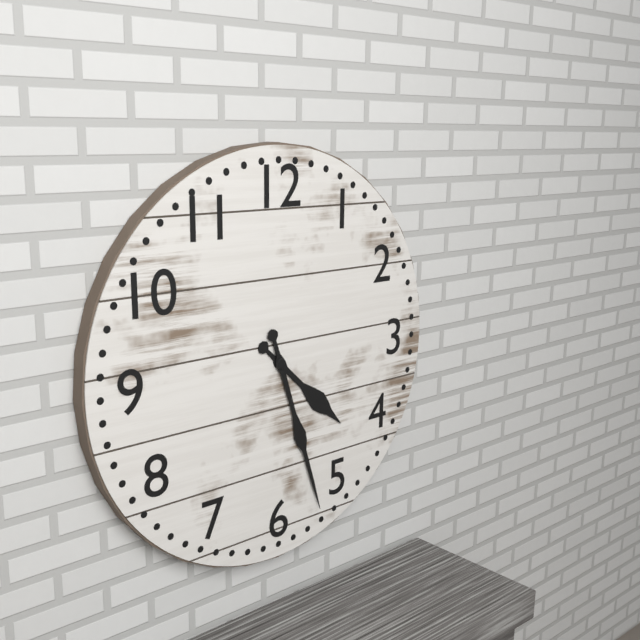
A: 4:27
